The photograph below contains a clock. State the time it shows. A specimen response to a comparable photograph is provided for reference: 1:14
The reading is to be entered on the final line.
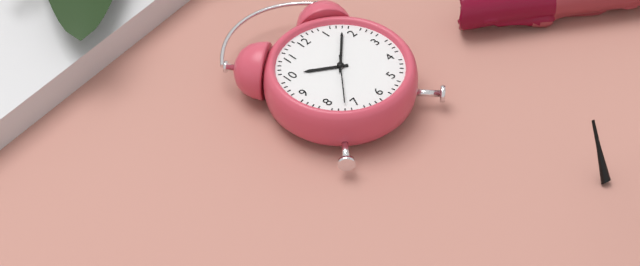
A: 10:08
